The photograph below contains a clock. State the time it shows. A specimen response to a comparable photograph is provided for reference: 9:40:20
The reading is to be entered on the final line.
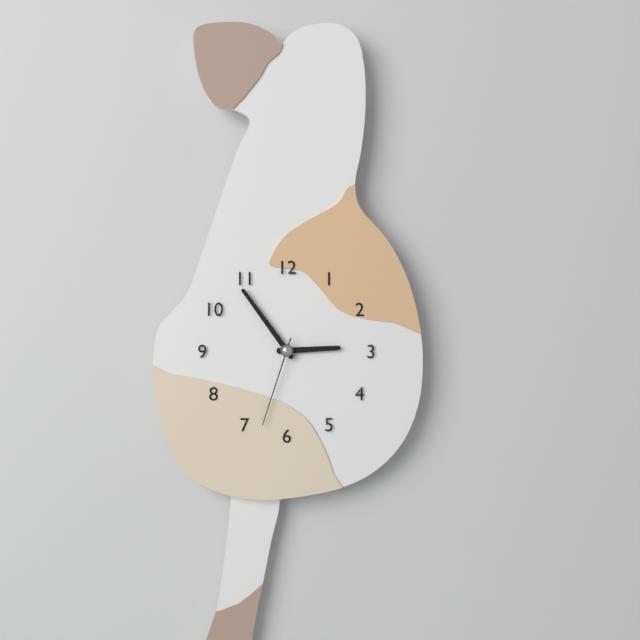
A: 2:54:33
